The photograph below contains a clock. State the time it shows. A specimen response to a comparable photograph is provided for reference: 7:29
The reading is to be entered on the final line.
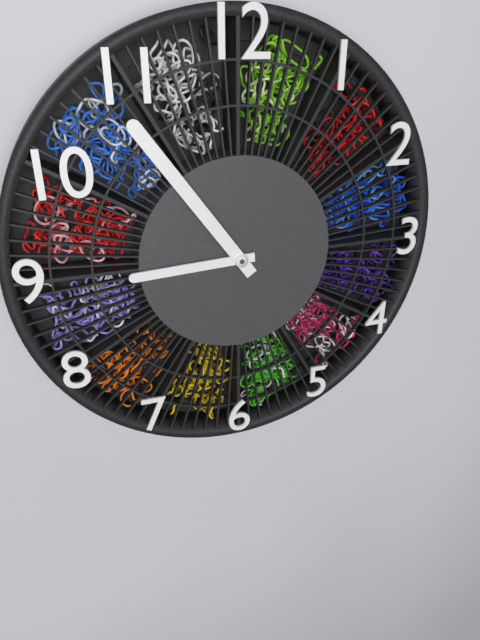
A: 8:54
